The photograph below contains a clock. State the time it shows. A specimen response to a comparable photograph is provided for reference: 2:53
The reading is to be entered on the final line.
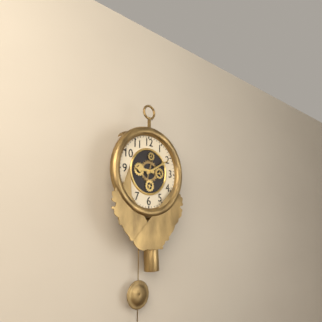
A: 9:10
